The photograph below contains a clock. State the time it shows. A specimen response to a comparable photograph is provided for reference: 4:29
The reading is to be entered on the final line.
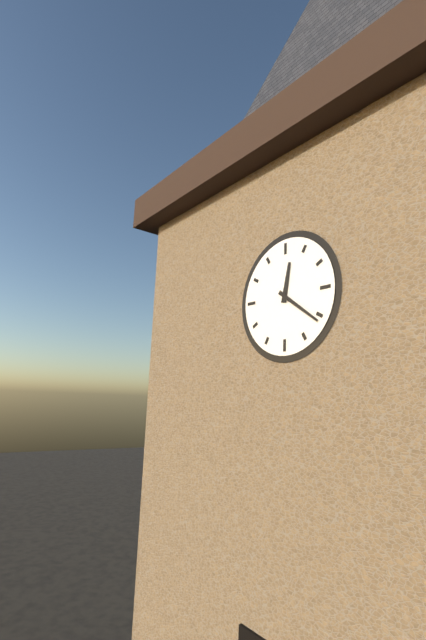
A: 12:21
